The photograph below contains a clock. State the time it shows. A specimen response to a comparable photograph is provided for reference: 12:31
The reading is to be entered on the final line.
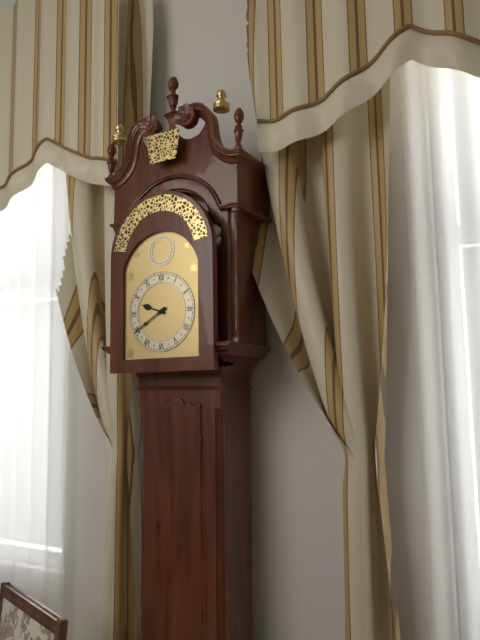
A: 9:40
